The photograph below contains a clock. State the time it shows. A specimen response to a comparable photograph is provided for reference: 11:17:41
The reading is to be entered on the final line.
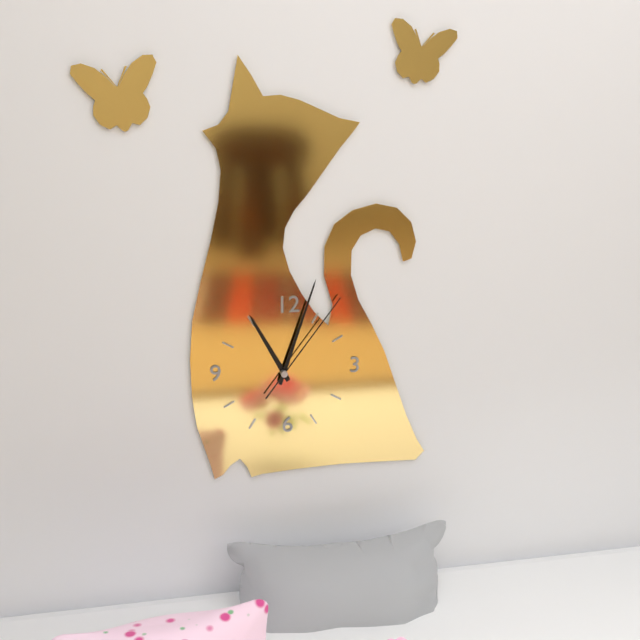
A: 11:03:06
